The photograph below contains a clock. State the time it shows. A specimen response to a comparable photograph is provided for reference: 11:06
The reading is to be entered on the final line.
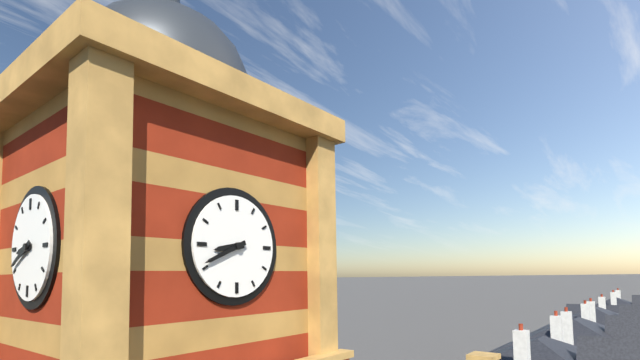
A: 8:41
